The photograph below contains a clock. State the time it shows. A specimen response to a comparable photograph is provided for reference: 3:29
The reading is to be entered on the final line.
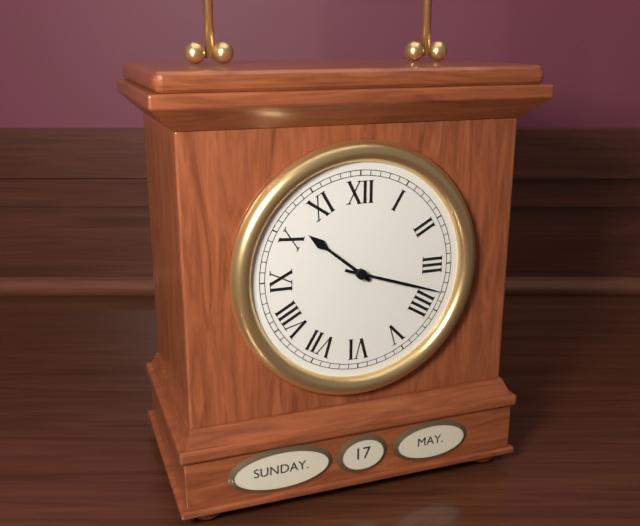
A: 10:18
